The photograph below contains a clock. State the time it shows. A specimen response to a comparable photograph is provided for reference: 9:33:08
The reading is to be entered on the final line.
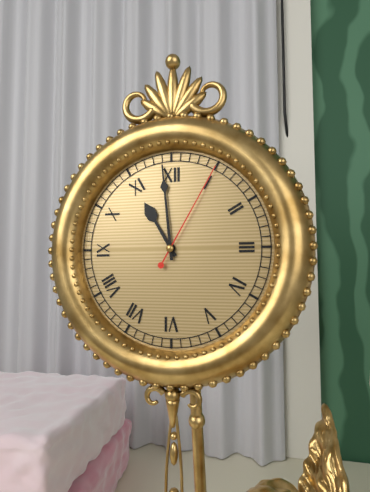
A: 10:59:05
